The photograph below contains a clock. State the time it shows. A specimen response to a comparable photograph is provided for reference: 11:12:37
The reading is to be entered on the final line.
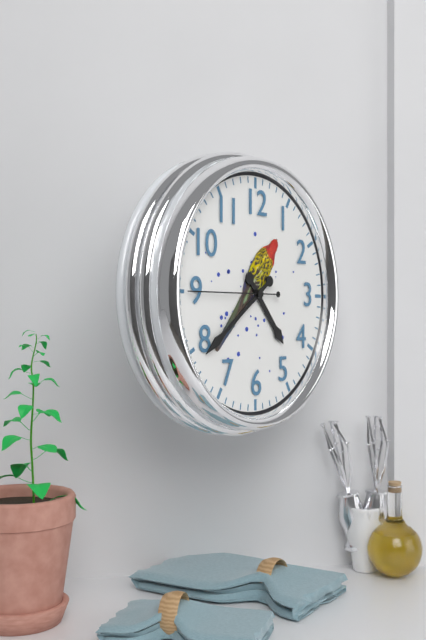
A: 4:39:45
